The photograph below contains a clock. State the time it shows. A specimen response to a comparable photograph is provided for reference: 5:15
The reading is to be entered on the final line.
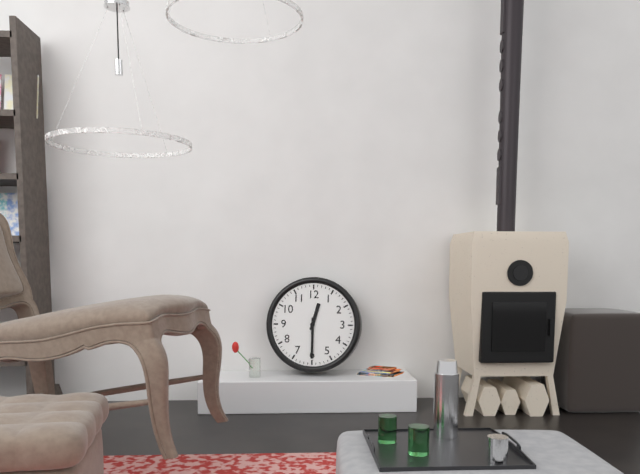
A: 12:30
